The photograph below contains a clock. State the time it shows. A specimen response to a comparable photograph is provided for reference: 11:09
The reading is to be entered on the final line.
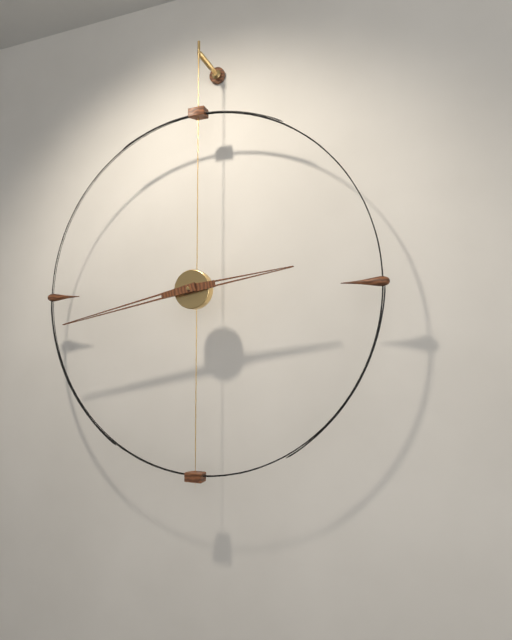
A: 2:43
